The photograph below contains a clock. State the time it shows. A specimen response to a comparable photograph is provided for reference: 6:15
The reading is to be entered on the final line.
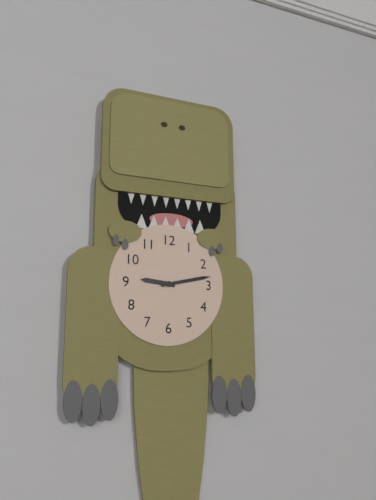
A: 9:13
